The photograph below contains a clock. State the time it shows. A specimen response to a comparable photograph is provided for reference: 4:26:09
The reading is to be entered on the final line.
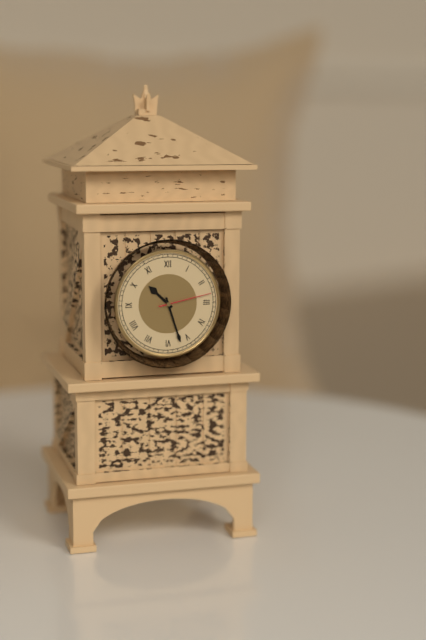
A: 10:27:13
